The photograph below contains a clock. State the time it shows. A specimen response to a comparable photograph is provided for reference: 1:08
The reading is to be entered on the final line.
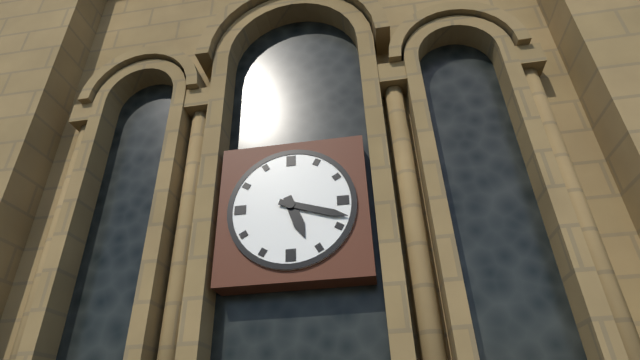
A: 5:18
